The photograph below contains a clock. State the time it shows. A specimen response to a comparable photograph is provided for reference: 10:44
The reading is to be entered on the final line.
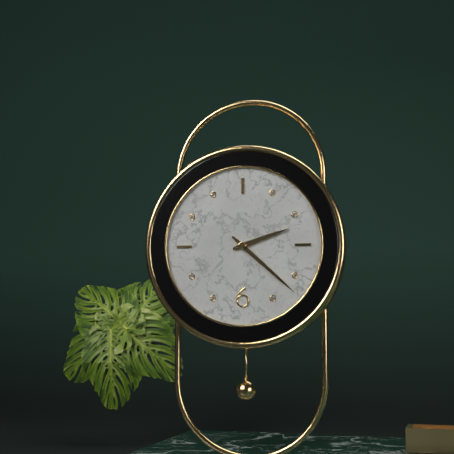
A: 2:22
